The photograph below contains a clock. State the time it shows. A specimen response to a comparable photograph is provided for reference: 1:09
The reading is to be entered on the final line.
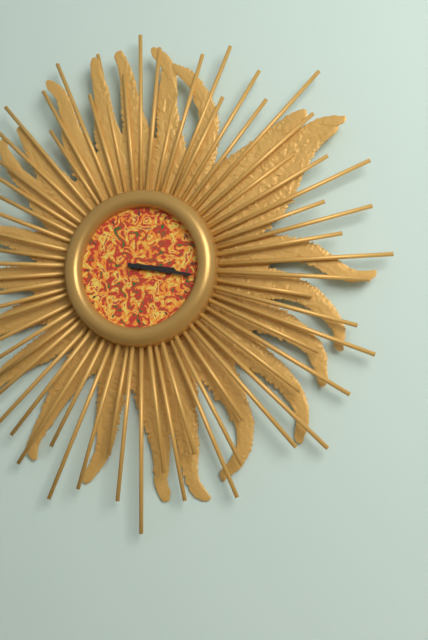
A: 3:17
